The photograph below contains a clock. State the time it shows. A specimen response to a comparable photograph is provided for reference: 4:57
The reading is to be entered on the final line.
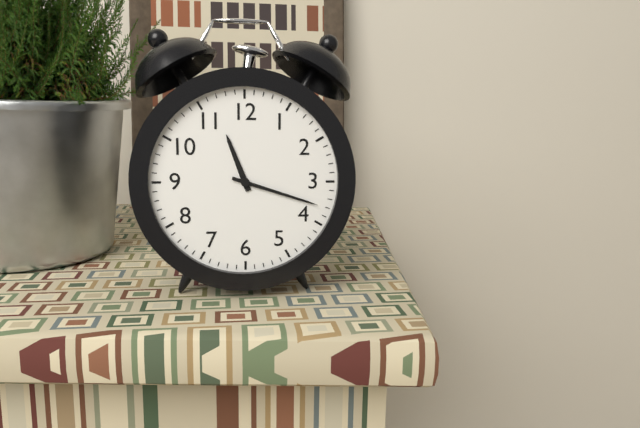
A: 11:18
